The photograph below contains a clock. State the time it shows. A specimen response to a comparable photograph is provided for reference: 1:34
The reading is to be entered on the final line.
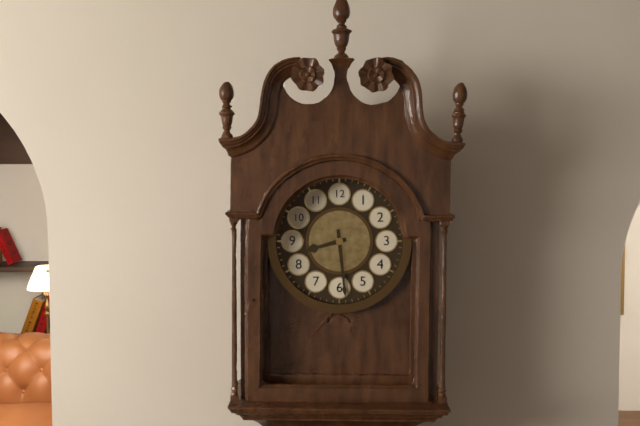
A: 8:29
